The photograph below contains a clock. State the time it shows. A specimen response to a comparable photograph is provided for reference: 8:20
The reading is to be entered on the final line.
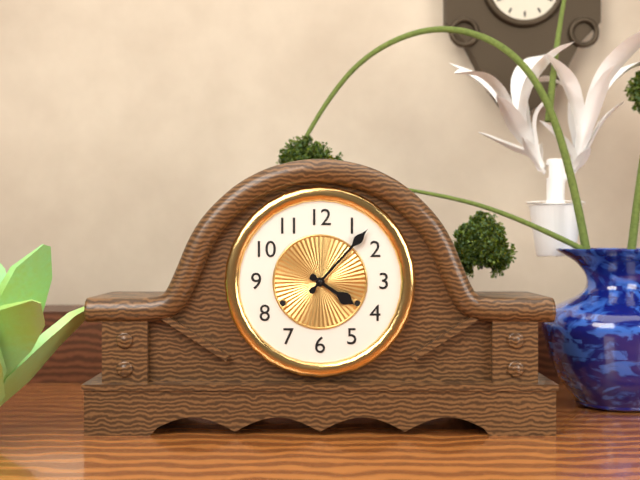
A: 4:07
